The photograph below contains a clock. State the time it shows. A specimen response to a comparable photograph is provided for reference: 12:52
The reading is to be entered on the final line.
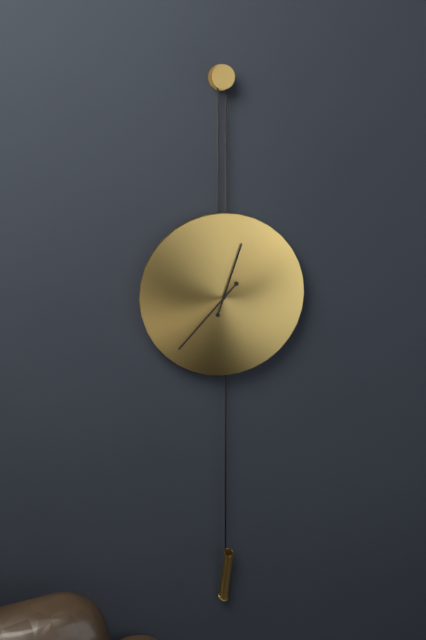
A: 12:37
